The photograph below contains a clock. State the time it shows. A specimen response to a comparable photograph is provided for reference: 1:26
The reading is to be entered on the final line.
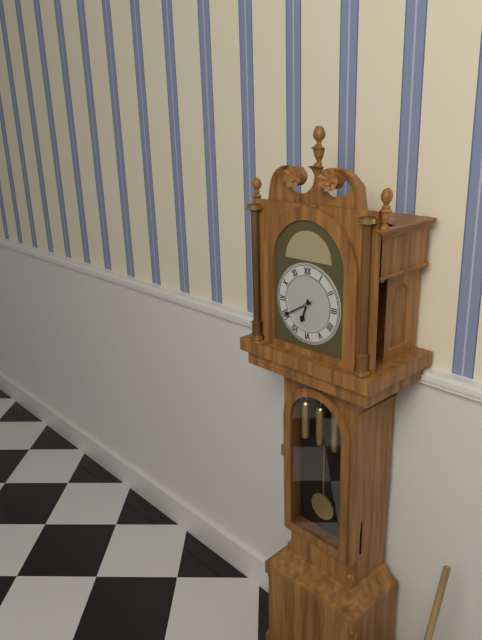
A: 6:40
